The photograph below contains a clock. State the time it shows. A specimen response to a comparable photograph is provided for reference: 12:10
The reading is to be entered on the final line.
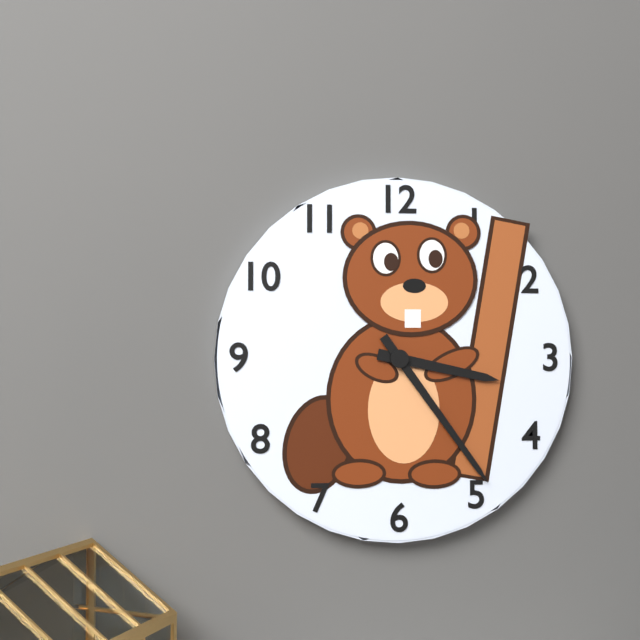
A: 3:24
